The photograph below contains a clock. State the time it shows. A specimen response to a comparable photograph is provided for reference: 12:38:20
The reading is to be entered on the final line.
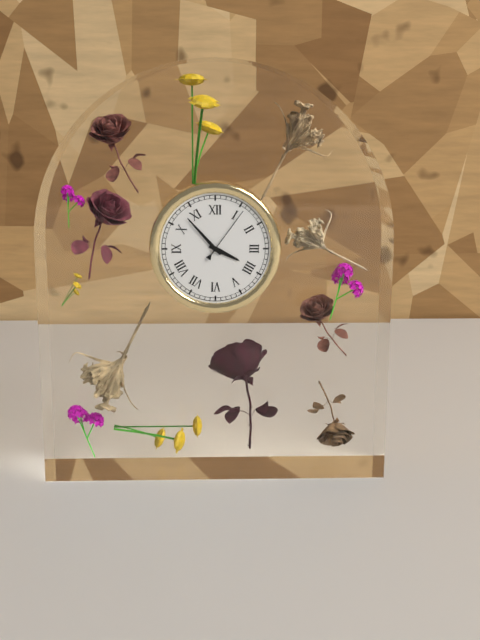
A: 3:53:06
